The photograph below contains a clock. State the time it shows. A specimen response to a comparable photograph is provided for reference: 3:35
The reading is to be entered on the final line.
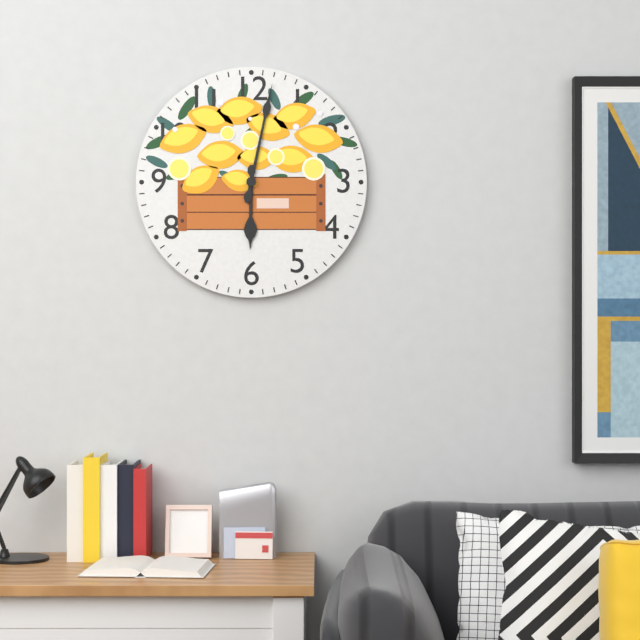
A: 6:02
